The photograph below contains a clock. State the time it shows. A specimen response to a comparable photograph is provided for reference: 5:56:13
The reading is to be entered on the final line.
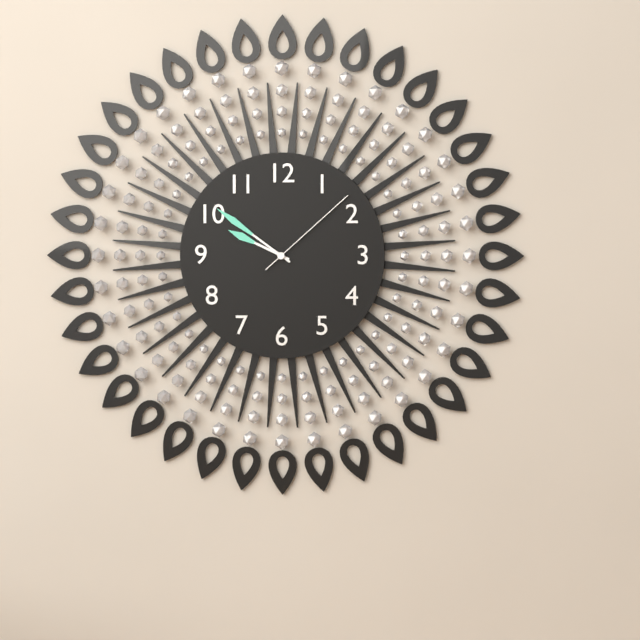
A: 9:51:08
